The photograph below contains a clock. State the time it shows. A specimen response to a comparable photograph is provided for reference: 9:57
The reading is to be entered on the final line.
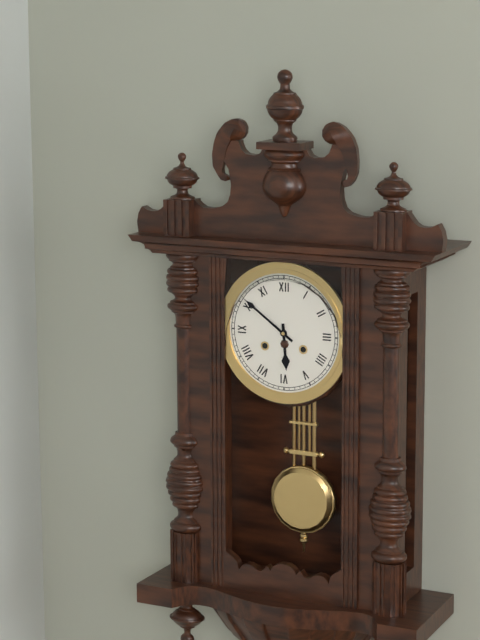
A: 5:51
